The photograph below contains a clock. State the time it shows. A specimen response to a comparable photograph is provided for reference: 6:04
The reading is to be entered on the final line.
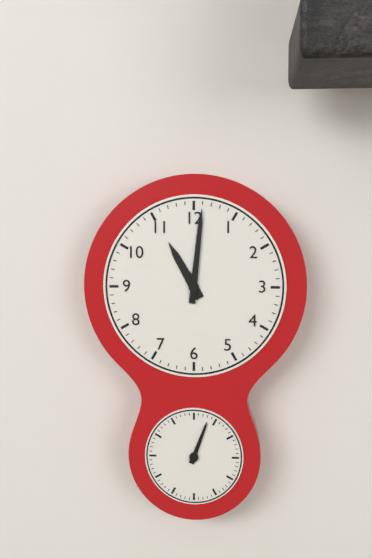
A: 11:01
